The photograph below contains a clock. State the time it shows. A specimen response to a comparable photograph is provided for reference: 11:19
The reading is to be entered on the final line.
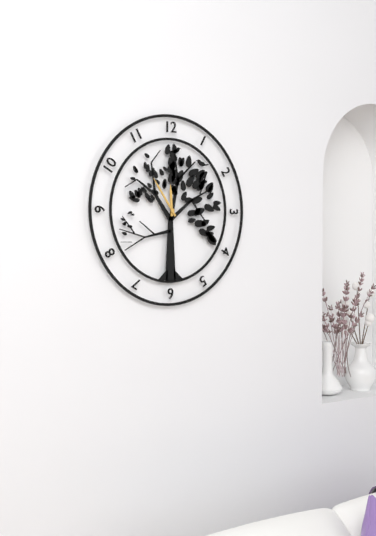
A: 11:54
